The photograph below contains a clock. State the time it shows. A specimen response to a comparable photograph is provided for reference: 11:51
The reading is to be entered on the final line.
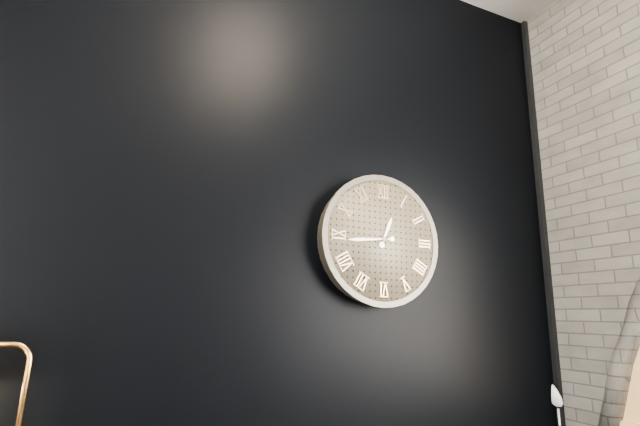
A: 12:44
